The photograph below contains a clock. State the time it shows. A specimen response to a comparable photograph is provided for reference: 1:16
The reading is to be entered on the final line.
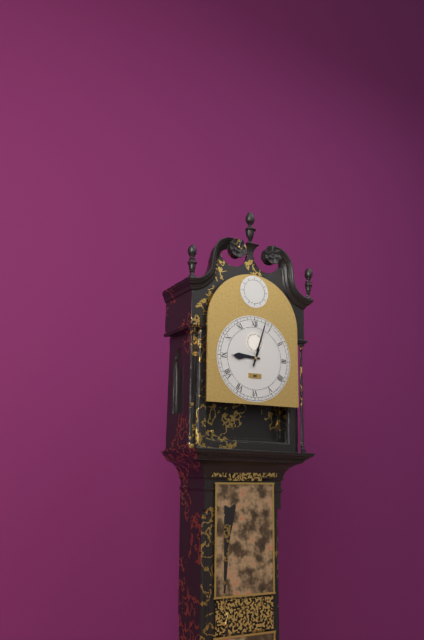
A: 9:03
